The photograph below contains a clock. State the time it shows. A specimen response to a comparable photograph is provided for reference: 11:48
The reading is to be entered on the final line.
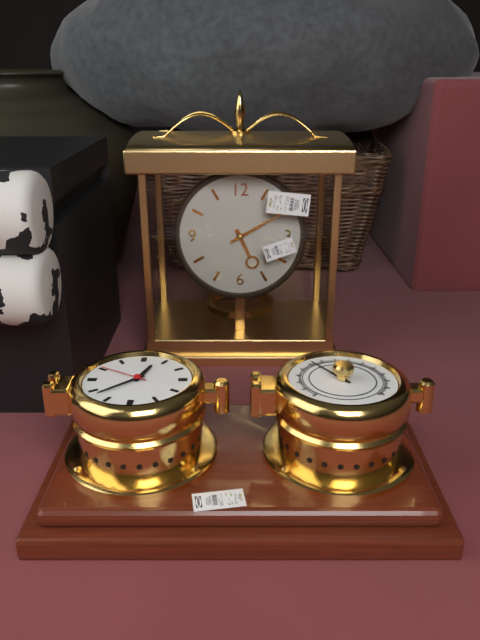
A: 5:10
